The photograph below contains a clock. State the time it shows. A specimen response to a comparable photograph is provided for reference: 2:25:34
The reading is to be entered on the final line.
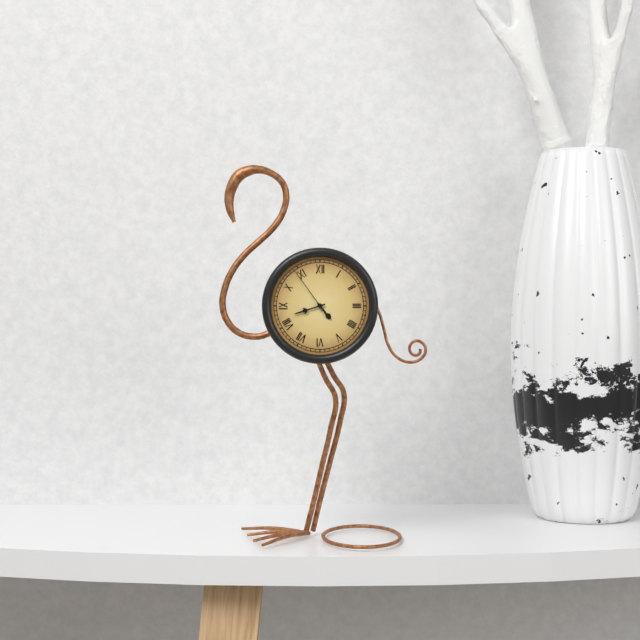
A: 4:42:54
